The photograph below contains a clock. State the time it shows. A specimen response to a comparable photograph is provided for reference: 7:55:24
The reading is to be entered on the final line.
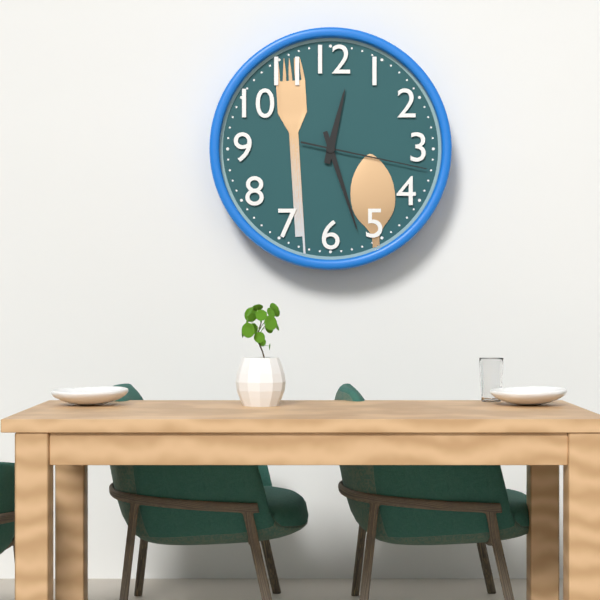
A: 12:27:17
